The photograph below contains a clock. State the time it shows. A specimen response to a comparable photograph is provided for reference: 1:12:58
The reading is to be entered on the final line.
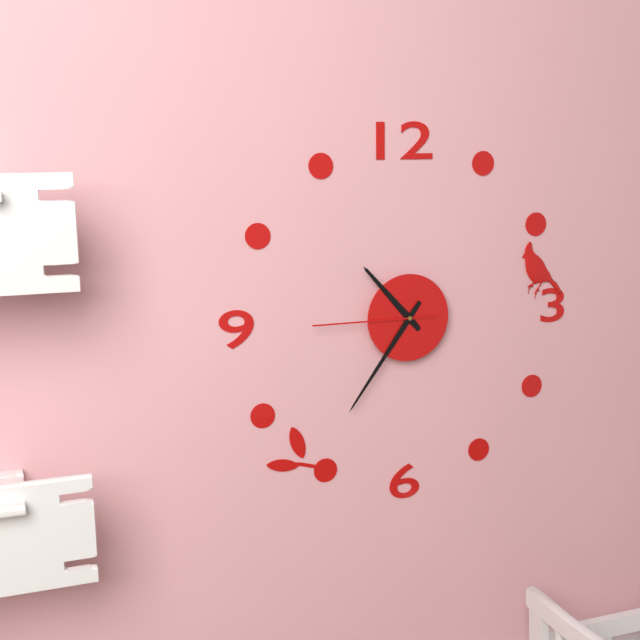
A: 10:36:45
